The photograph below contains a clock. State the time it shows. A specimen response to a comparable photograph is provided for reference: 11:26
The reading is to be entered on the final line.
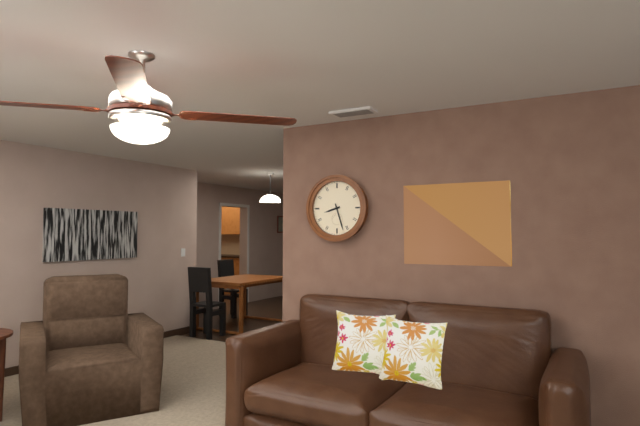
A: 8:27
